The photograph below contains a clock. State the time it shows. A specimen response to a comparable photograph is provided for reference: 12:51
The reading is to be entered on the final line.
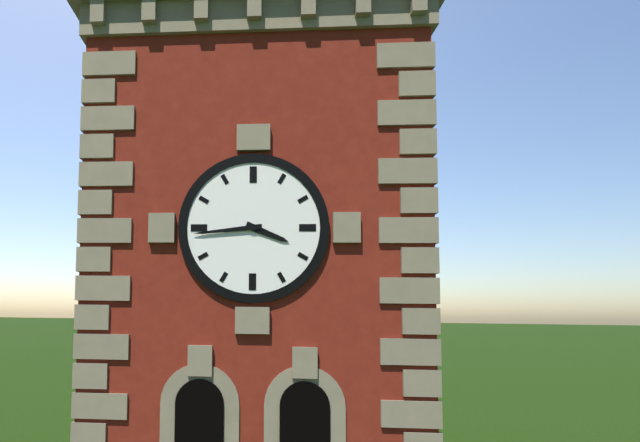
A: 3:44
